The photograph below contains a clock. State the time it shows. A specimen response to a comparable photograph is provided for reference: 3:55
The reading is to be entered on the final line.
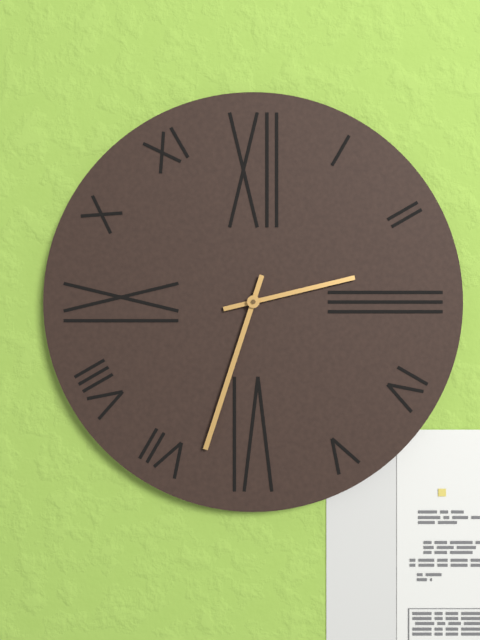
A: 2:33
